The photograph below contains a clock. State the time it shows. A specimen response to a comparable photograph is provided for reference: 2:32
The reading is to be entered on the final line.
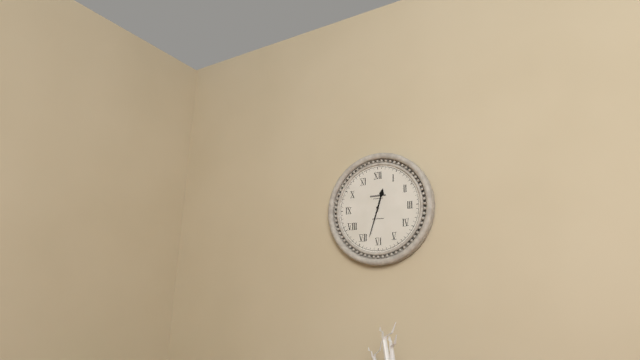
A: 12:33
